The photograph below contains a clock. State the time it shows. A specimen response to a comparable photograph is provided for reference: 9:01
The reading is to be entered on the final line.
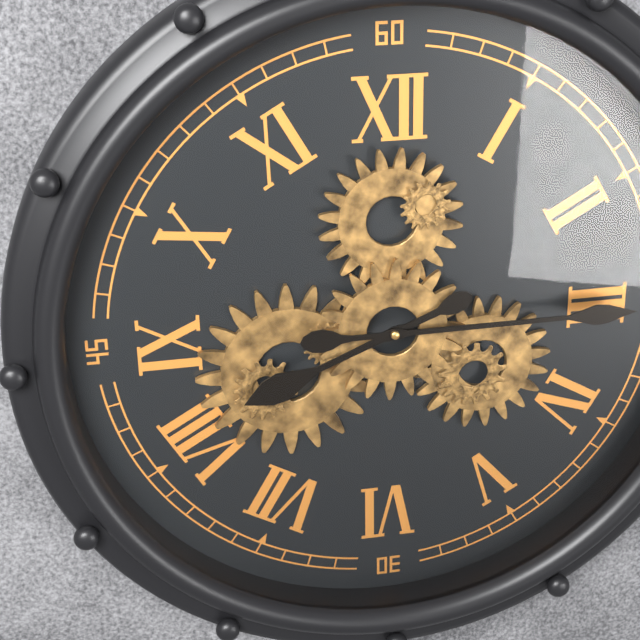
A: 8:15
